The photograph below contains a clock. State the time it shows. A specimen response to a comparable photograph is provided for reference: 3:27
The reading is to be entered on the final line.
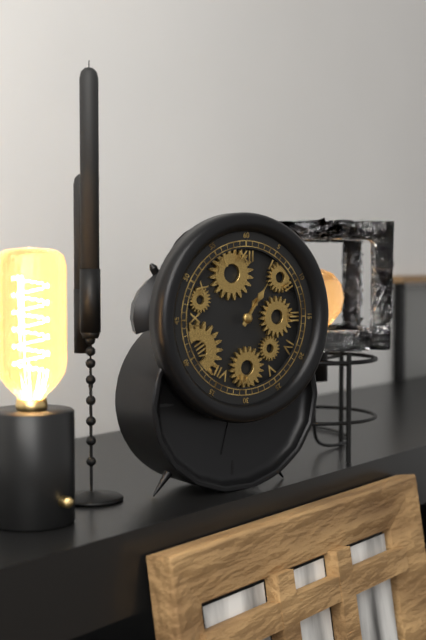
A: 1:06
